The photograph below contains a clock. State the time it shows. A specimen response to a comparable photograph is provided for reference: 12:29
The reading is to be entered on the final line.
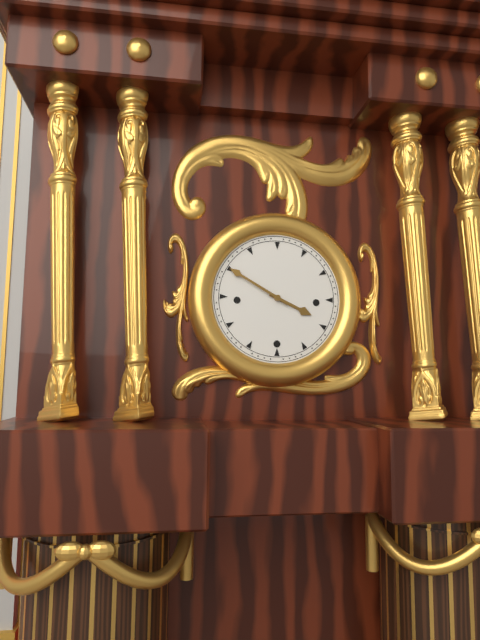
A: 3:50
